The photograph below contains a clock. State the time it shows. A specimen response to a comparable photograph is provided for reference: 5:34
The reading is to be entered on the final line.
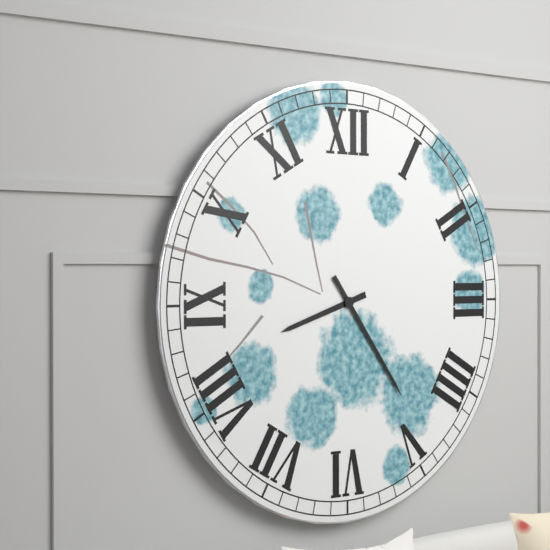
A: 8:24
